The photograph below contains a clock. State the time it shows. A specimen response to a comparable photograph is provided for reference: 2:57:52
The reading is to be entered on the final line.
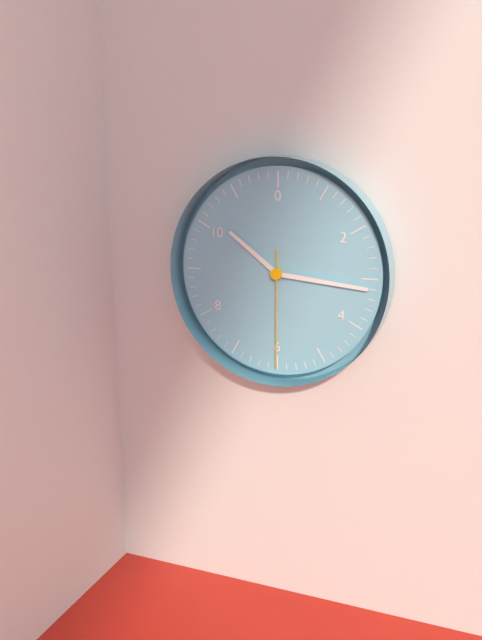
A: 10:16:30
